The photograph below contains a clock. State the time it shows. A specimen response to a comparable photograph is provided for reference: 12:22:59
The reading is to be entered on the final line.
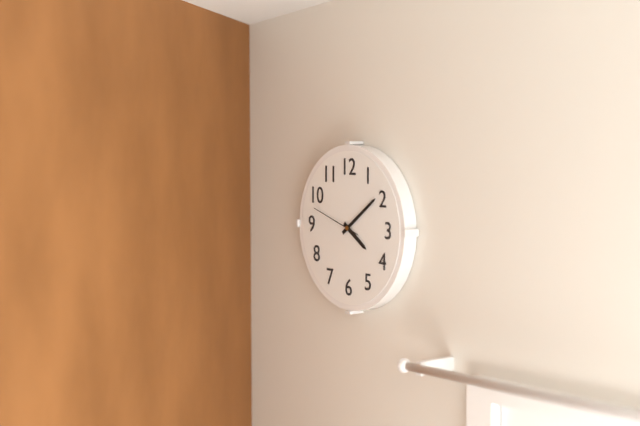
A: 4:09:48
